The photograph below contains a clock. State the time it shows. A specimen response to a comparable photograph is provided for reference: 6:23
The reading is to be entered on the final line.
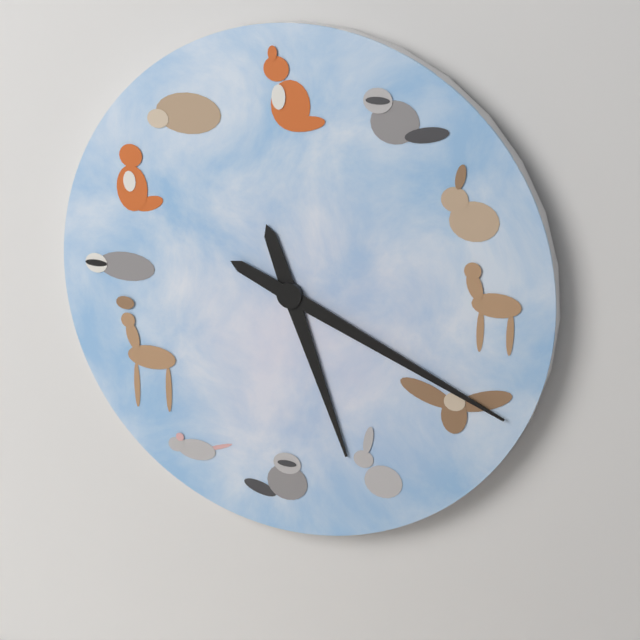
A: 5:19
